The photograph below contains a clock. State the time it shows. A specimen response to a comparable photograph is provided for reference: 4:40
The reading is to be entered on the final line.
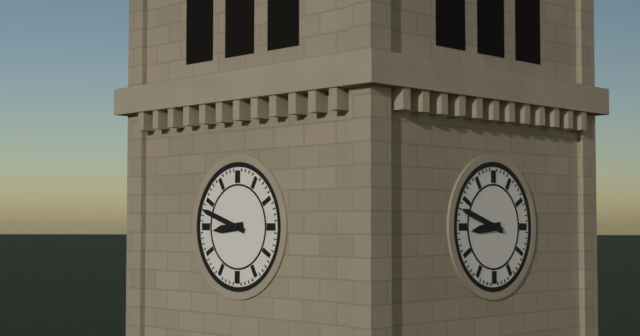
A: 8:48
